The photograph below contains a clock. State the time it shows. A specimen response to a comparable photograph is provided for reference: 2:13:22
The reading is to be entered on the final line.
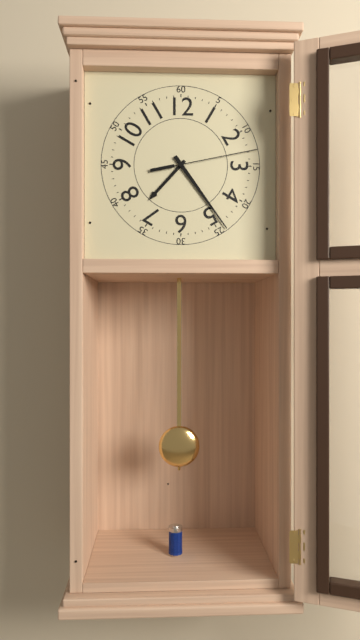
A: 7:24:13
